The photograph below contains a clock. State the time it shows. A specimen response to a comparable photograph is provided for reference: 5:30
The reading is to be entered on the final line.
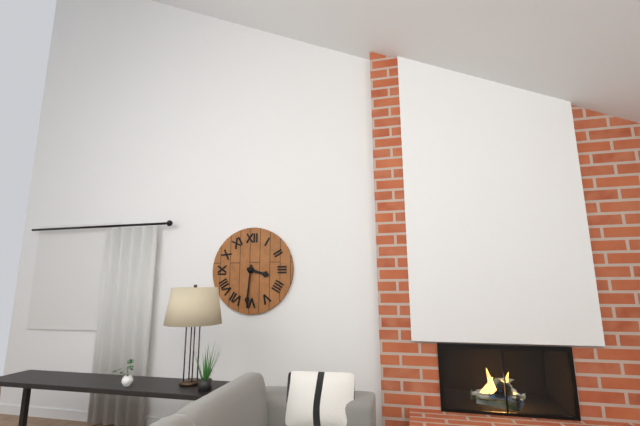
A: 3:31
